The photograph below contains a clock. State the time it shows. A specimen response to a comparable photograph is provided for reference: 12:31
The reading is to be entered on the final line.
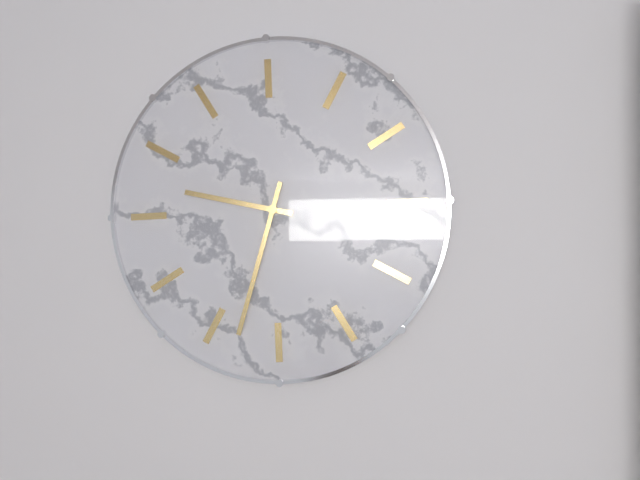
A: 8:28
